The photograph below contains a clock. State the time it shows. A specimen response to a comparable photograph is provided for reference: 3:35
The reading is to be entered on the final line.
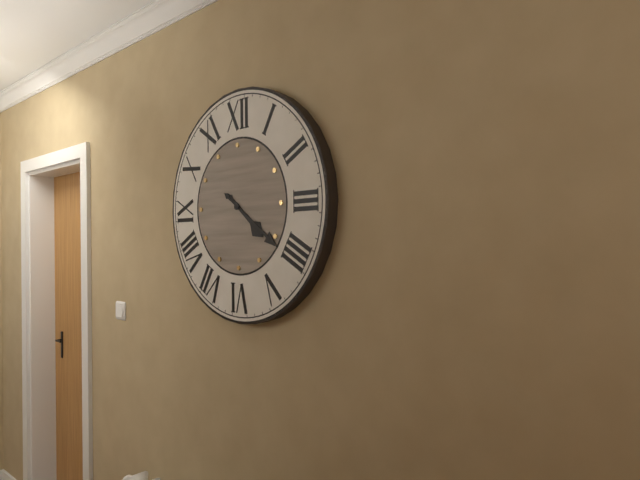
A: 4:21
